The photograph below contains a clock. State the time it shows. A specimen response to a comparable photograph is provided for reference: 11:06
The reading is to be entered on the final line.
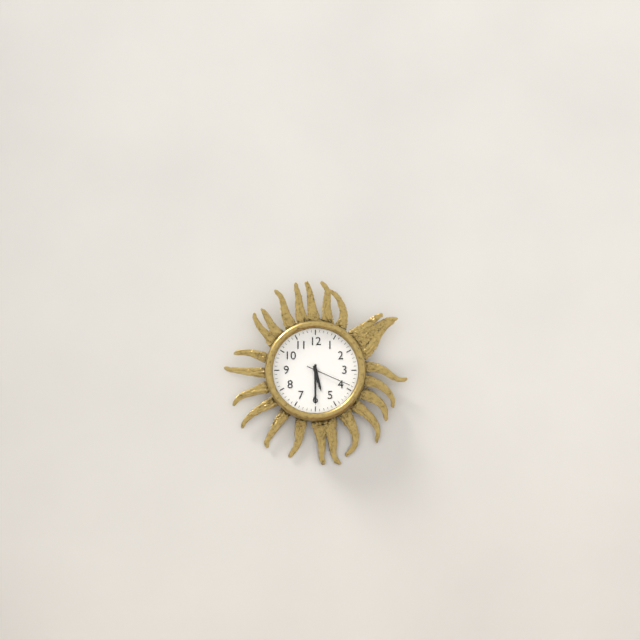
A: 5:30
